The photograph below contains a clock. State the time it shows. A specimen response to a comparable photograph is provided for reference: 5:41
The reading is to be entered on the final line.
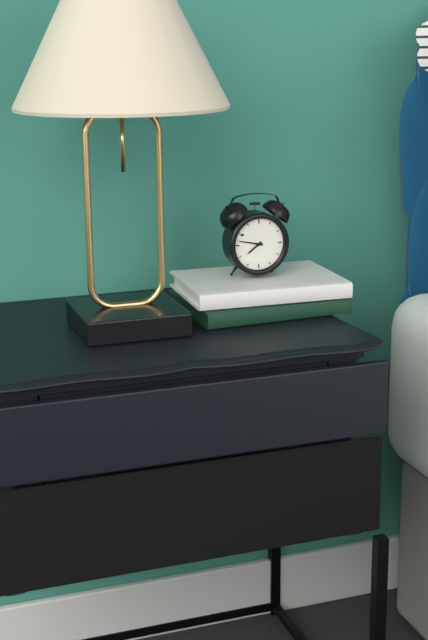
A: 7:47
